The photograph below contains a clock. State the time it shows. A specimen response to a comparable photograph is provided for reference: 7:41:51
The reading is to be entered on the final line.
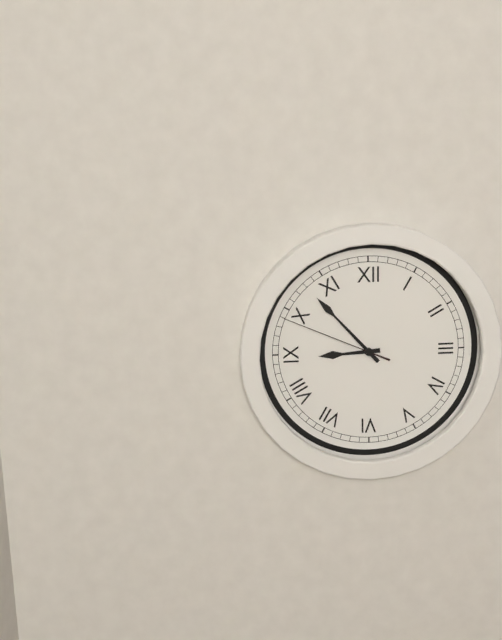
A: 8:53:49
